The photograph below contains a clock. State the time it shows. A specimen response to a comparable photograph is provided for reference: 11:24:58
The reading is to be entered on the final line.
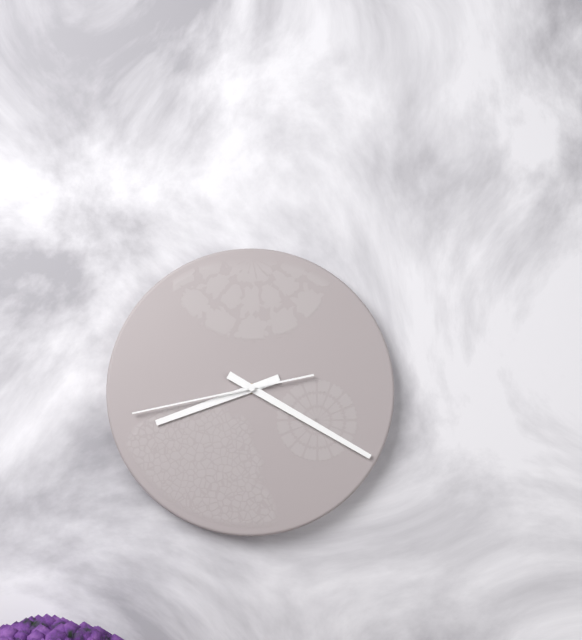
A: 8:20:43
